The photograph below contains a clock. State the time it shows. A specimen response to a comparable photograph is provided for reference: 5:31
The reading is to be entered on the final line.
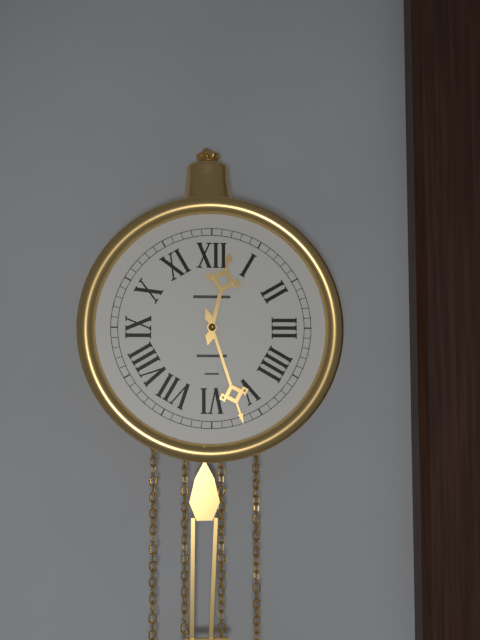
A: 12:27
